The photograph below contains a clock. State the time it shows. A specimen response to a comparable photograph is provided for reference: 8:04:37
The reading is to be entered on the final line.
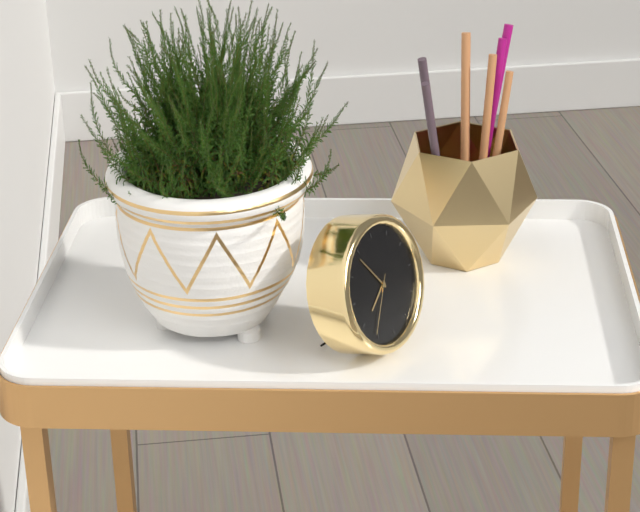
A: 7:54:36
